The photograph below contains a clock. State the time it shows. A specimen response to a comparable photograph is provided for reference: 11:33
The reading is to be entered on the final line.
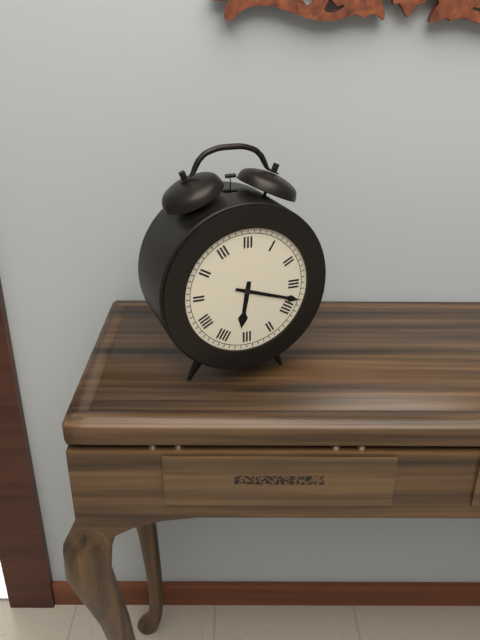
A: 6:18
